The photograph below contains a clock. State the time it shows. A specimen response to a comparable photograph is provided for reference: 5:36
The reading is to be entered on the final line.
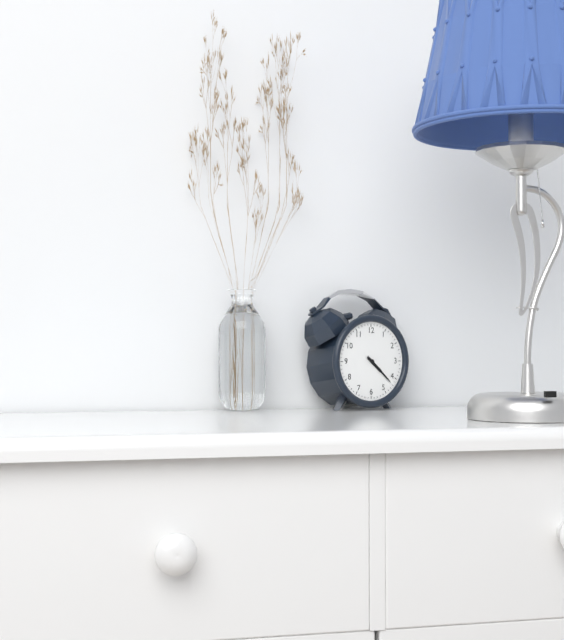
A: 4:22
